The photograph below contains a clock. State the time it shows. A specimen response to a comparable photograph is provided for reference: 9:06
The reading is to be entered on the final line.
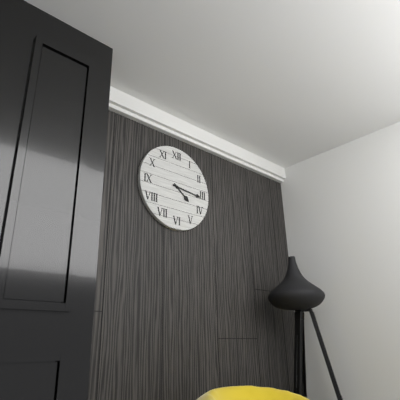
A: 4:16
